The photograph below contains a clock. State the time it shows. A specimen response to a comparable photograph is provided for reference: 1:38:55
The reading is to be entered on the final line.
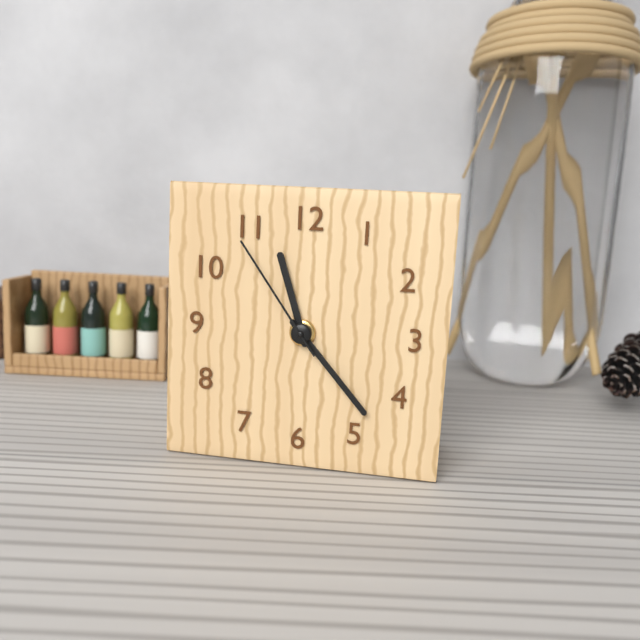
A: 11:23:54
